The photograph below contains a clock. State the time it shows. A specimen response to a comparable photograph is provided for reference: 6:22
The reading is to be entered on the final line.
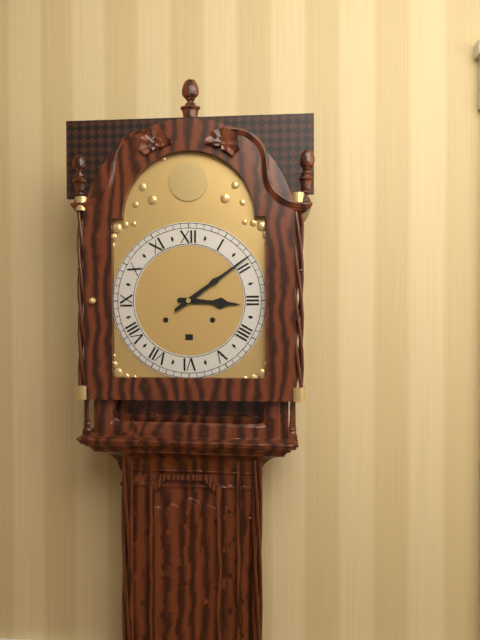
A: 3:09
